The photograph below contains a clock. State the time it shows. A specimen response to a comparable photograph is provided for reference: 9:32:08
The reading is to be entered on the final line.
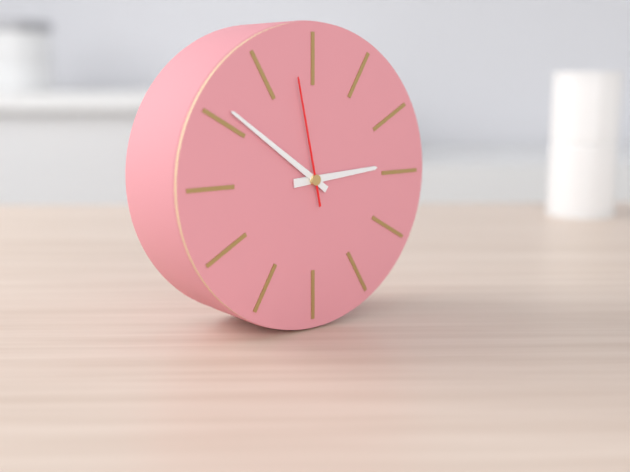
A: 2:51:58
